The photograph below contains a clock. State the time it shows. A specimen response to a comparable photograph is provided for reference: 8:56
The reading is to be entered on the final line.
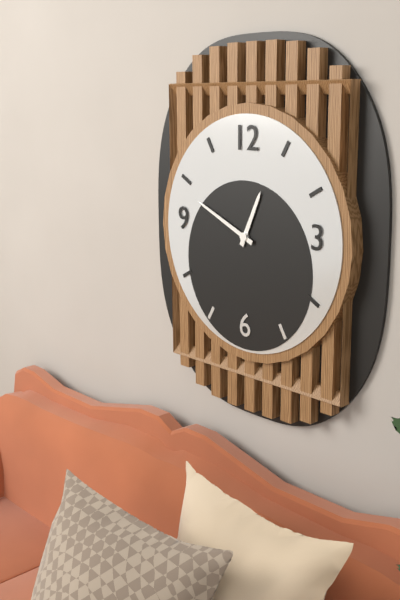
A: 12:49
